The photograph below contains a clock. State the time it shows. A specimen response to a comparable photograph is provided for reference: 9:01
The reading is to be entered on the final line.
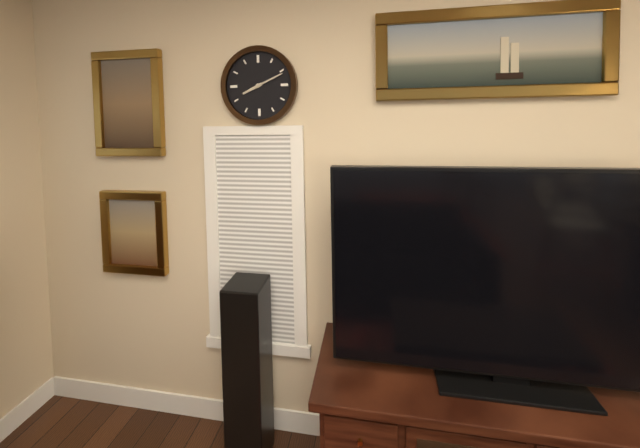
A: 8:11
